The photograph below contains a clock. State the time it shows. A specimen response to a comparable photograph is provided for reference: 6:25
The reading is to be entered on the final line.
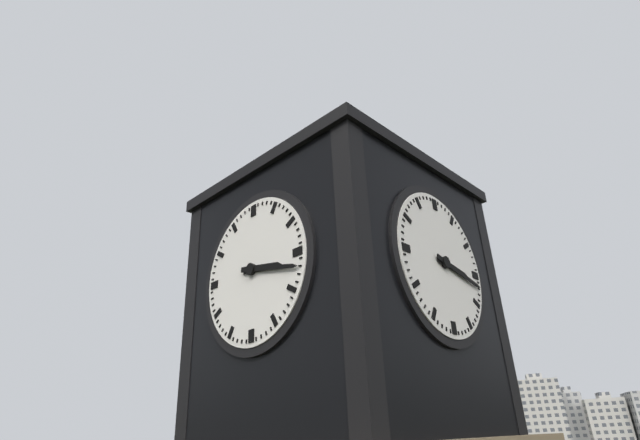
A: 3:17
